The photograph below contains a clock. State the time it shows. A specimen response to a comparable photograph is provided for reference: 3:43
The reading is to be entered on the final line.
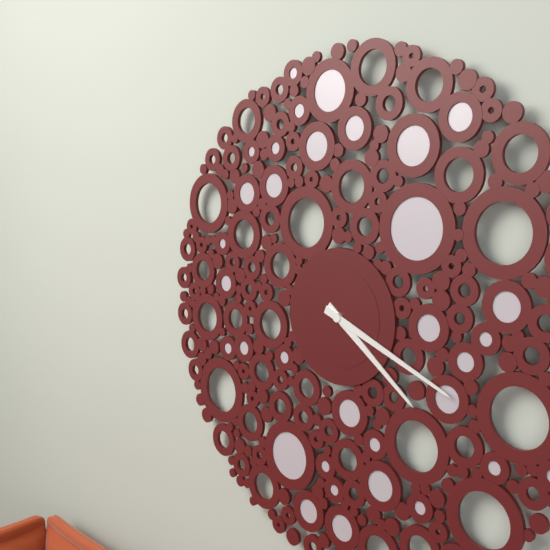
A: 4:19
